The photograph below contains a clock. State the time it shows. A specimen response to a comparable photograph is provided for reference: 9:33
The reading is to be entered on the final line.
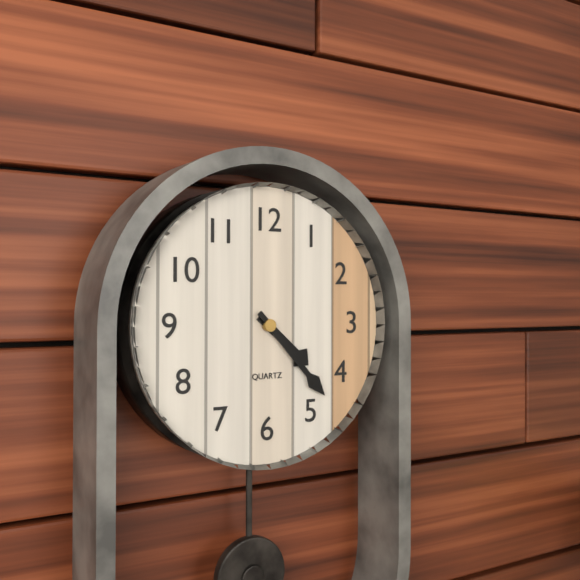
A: 4:23
